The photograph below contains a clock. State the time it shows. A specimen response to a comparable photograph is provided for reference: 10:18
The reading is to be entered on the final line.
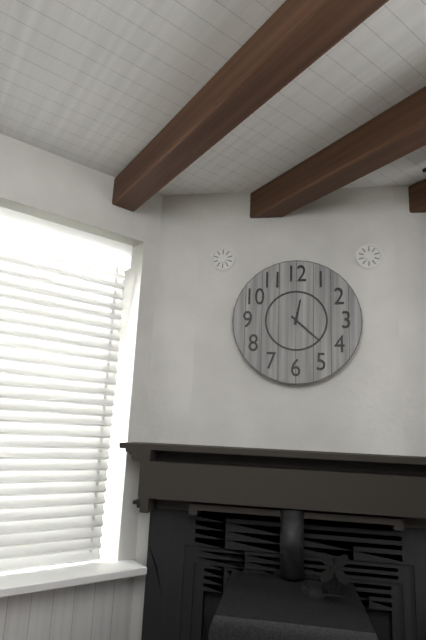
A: 12:22
